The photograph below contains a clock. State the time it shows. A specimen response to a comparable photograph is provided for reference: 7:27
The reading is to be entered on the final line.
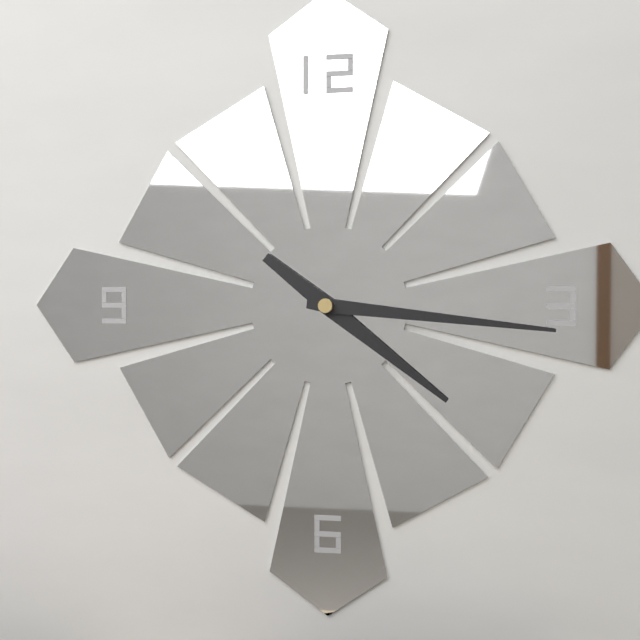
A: 4:16
